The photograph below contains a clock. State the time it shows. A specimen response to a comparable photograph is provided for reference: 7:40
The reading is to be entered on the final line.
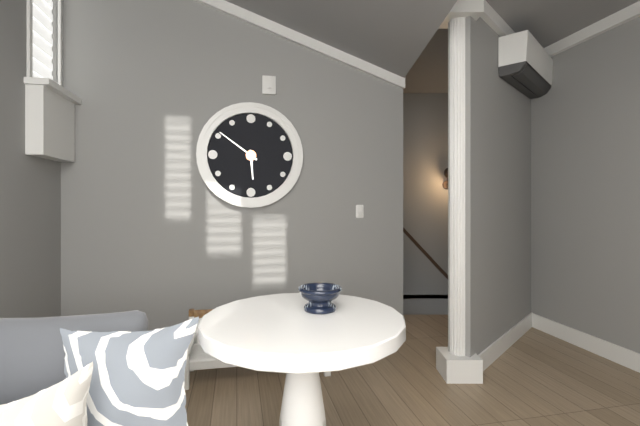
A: 5:51
